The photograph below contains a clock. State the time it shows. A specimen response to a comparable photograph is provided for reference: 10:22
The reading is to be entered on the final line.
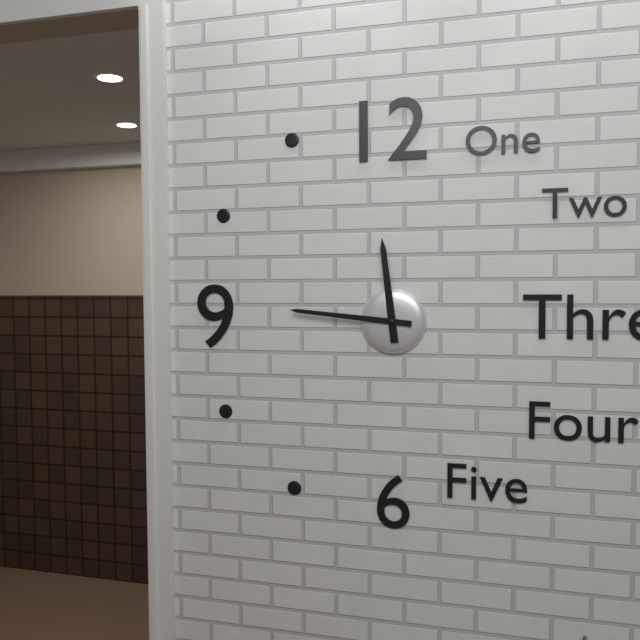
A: 11:46
